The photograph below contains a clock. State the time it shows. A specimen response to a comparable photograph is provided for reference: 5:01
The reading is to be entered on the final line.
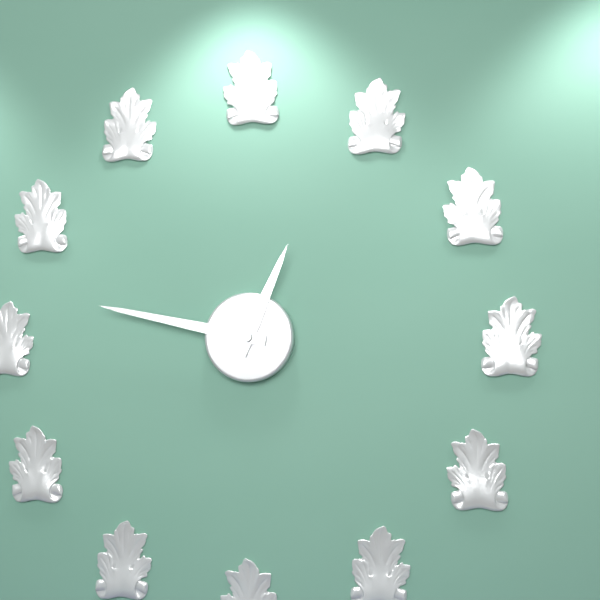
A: 12:47
